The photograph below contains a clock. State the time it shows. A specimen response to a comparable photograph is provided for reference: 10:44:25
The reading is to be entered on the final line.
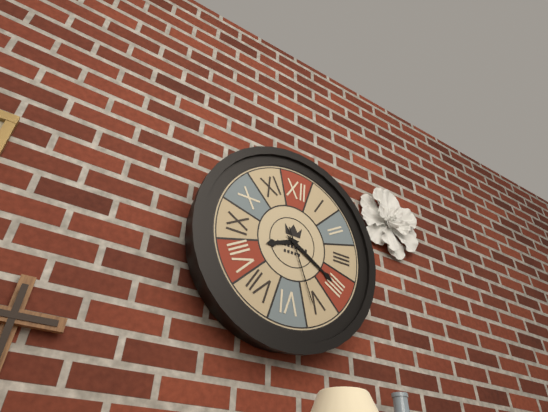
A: 8:20:26
